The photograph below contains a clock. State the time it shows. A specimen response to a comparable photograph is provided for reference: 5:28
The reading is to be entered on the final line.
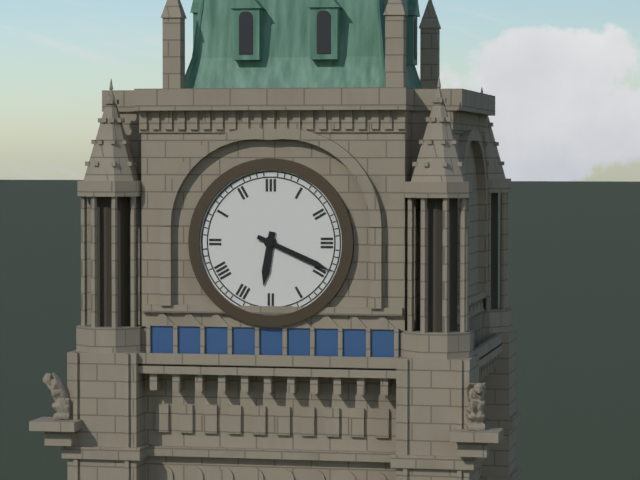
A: 6:19
